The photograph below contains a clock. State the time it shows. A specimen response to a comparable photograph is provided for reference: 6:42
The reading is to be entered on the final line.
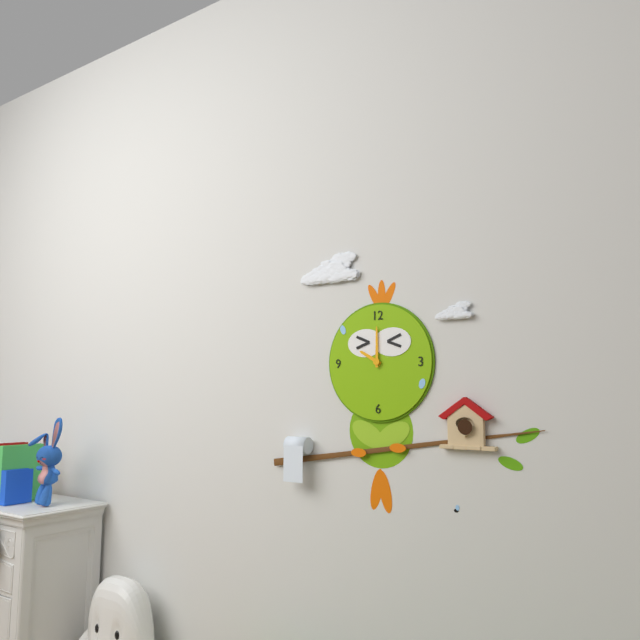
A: 10:00
